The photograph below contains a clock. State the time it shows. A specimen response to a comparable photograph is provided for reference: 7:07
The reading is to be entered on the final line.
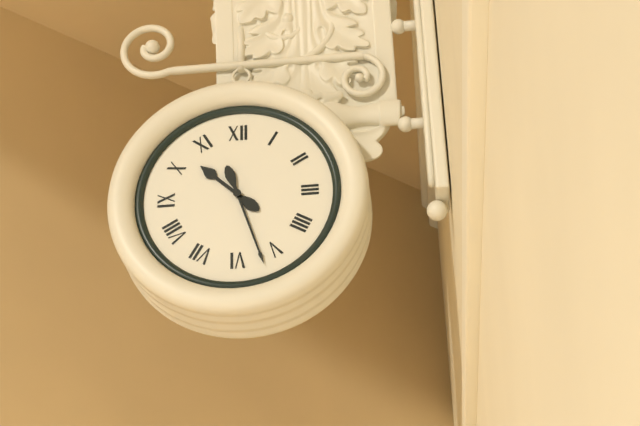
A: 10:27
